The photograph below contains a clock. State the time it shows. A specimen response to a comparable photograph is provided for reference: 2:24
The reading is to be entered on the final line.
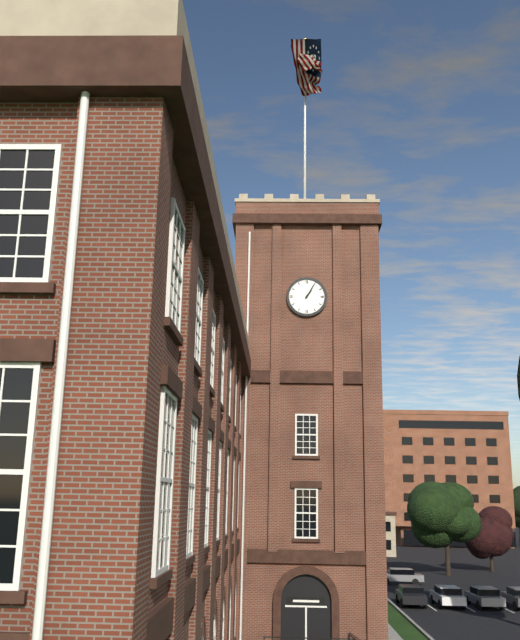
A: 1:05
